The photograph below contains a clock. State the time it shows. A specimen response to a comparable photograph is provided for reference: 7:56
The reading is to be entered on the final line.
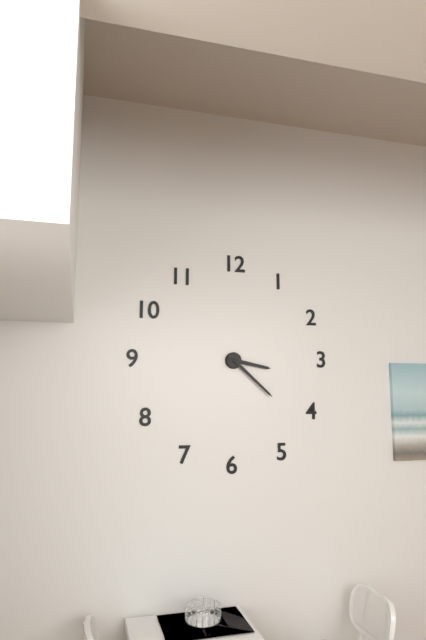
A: 3:22
